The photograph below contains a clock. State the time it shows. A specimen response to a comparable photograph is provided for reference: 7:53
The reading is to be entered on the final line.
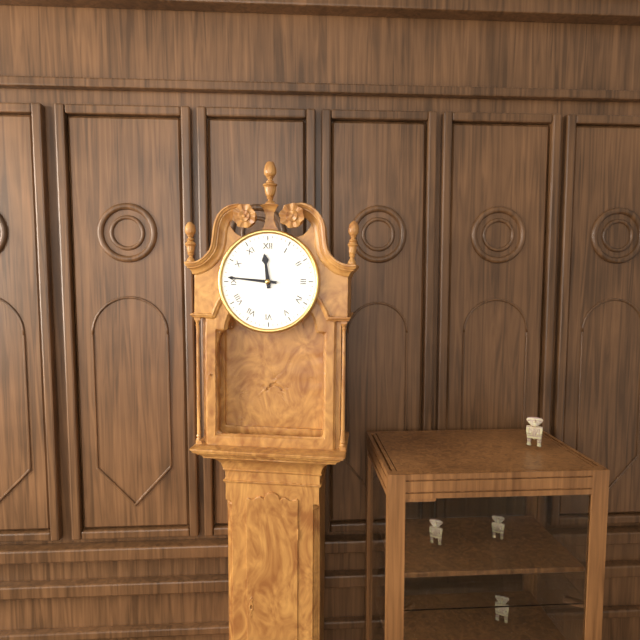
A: 11:46
